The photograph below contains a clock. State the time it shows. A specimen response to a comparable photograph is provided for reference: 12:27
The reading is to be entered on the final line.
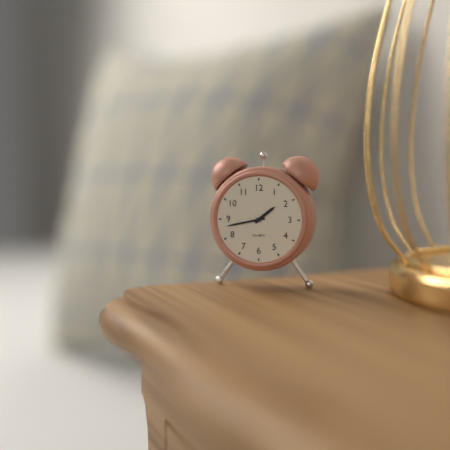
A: 1:43
